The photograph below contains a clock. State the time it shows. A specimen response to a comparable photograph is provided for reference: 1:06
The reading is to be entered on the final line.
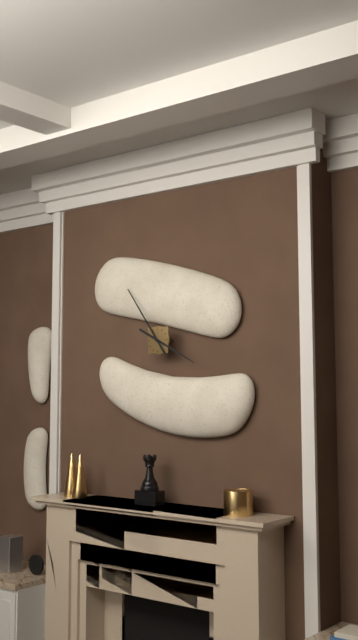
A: 3:54
